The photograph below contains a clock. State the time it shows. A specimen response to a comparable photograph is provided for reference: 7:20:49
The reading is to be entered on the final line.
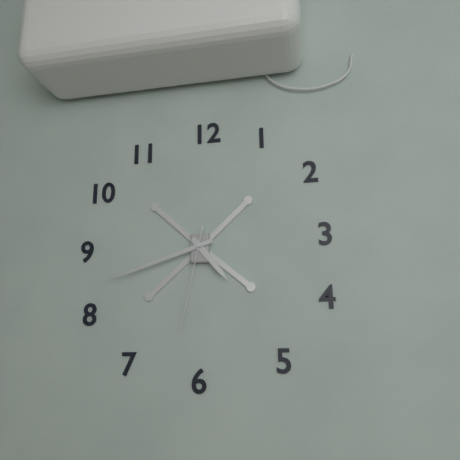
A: 4:42:32
